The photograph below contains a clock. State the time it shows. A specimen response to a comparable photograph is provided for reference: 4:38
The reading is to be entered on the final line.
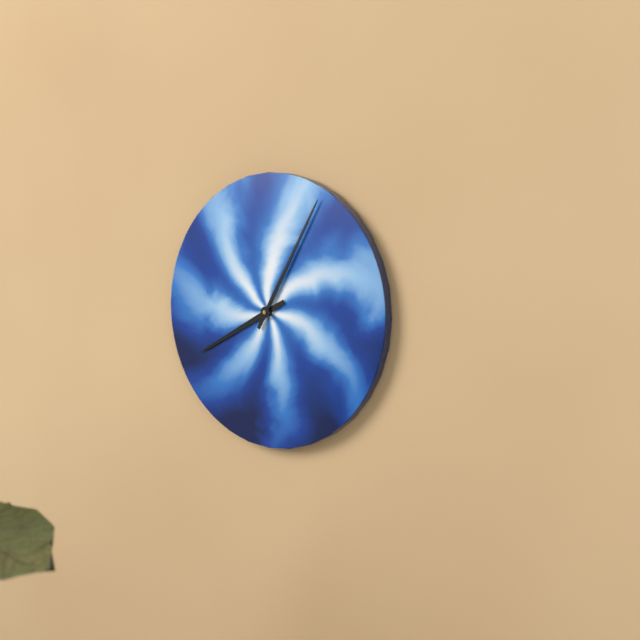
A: 8:05
